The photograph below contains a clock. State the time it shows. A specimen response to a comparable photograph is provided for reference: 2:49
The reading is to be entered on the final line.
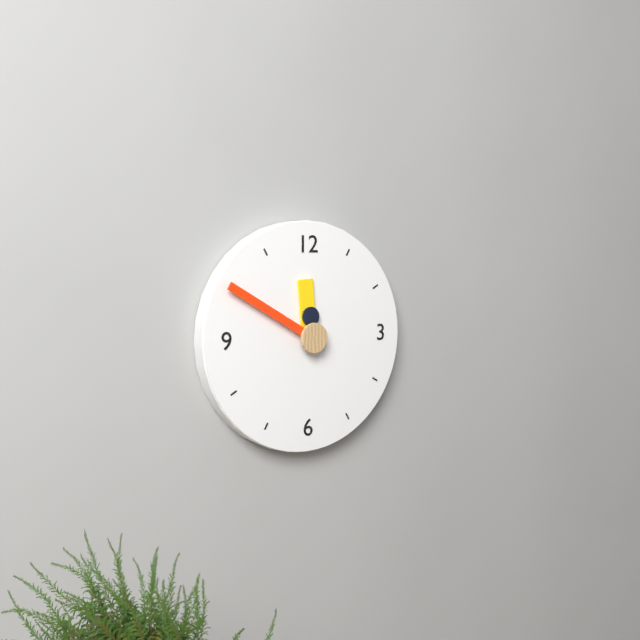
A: 11:50
